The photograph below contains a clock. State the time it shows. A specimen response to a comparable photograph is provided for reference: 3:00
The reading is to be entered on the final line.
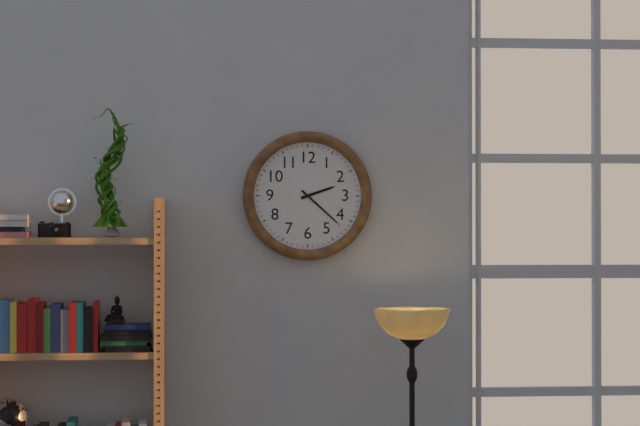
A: 2:22
